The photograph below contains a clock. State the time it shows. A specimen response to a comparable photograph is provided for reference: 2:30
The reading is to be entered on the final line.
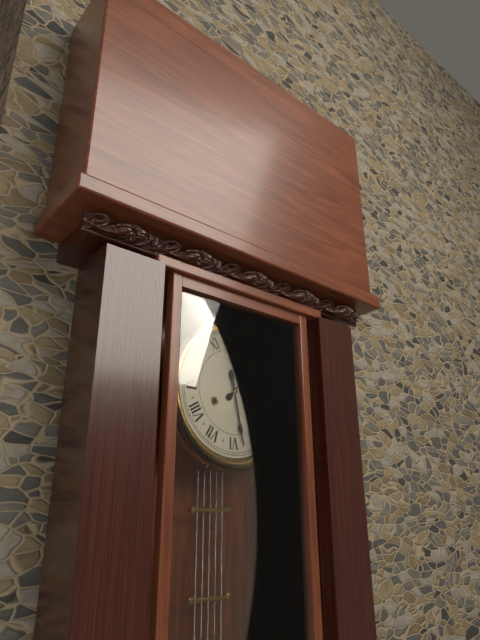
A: 1:28
